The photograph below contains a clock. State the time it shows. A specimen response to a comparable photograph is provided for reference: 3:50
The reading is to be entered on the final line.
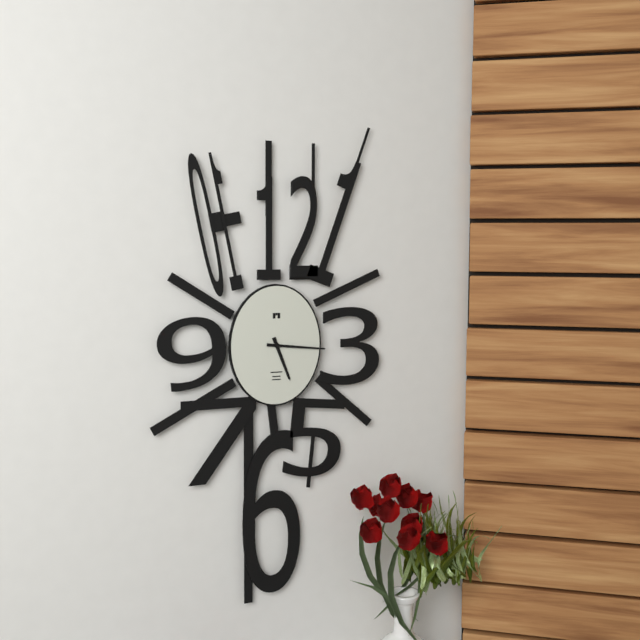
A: 5:16
